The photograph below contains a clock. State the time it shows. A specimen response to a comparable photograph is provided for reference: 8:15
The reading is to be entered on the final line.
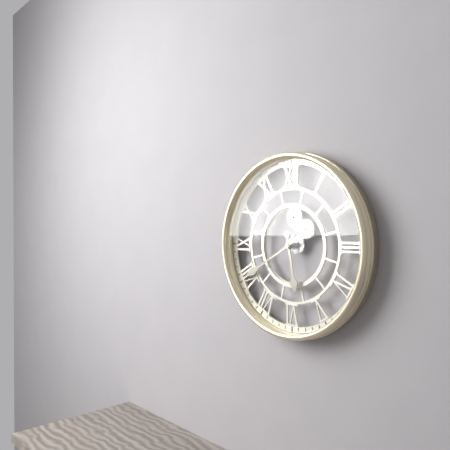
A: 5:40
